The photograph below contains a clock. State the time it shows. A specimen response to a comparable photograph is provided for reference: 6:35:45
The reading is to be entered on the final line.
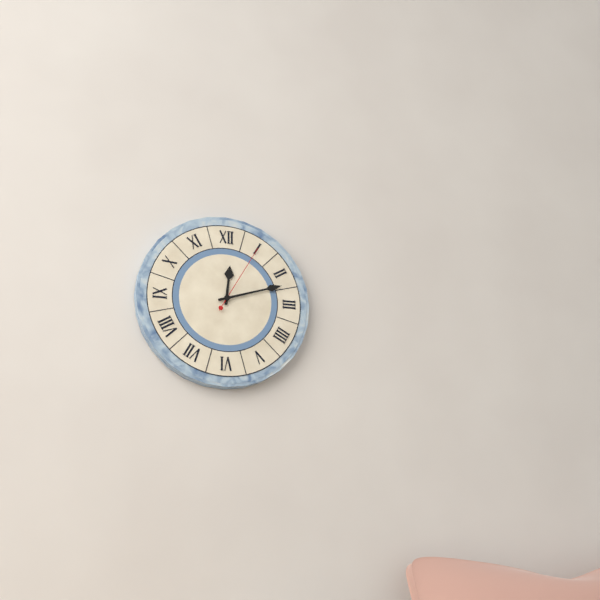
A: 12:12:05
